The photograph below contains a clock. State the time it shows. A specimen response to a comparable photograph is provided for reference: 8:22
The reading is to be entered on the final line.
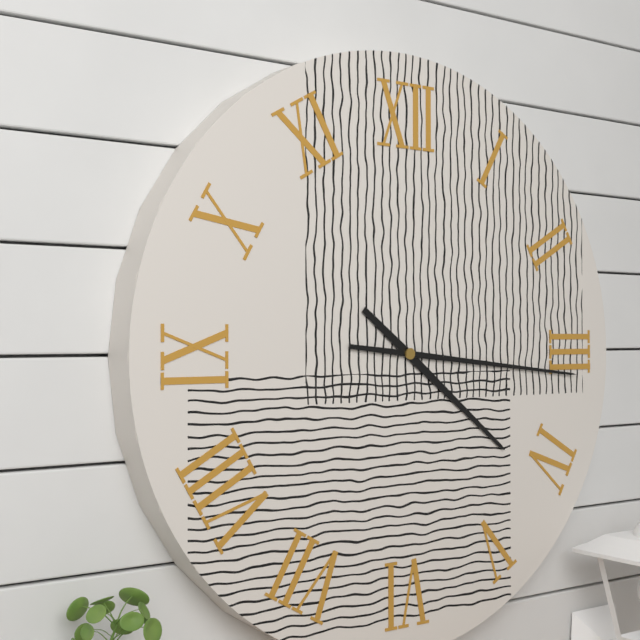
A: 4:16
